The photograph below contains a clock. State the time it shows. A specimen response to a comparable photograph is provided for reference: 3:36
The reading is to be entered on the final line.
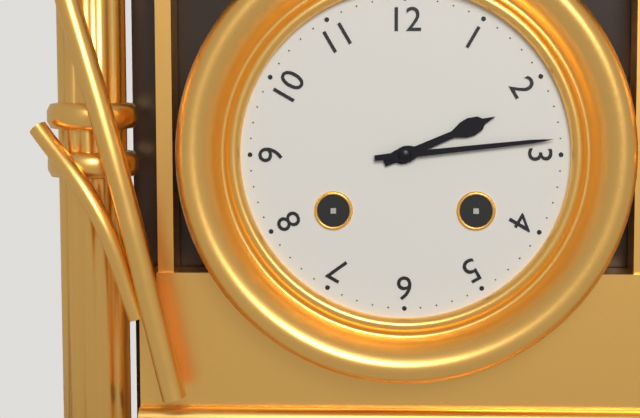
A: 2:14
